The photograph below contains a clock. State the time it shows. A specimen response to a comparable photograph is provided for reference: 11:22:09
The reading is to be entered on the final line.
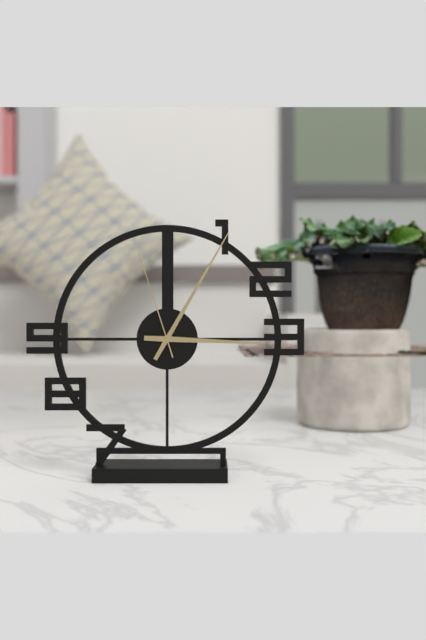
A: 3:05:57
